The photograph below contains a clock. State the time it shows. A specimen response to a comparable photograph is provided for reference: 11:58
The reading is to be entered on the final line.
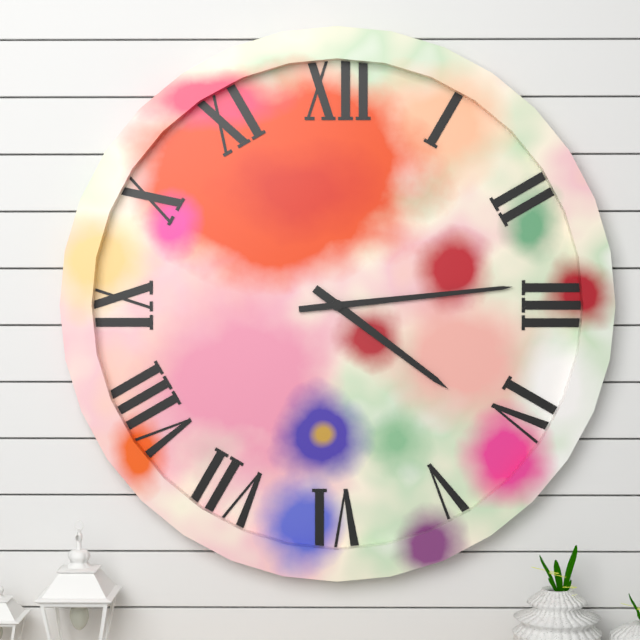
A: 4:14
